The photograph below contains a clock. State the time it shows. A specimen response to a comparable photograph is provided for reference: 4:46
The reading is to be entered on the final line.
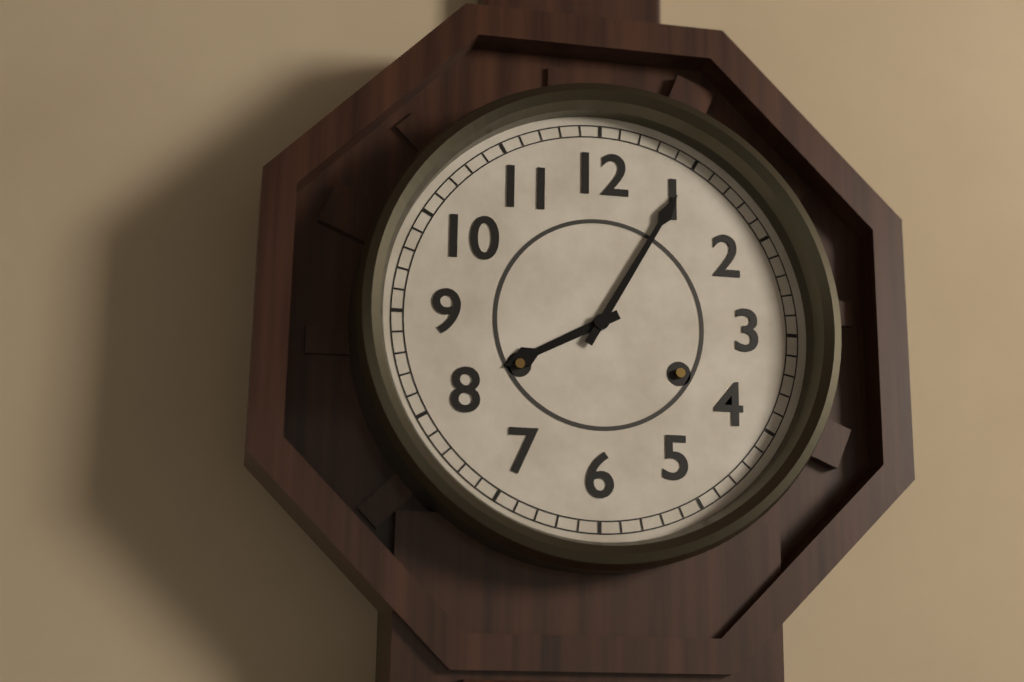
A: 8:05
